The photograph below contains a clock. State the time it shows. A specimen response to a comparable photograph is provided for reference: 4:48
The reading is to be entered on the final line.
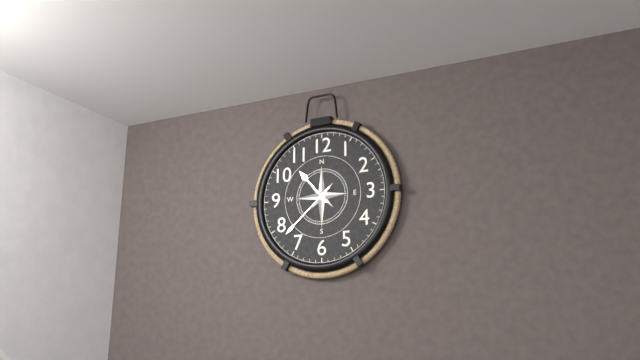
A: 10:38
